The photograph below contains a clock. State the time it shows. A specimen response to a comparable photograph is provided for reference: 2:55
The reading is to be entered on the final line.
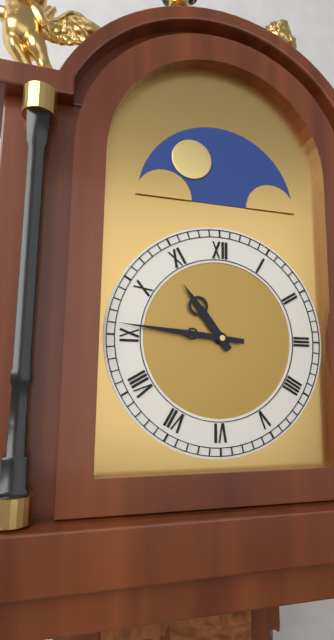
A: 10:46
